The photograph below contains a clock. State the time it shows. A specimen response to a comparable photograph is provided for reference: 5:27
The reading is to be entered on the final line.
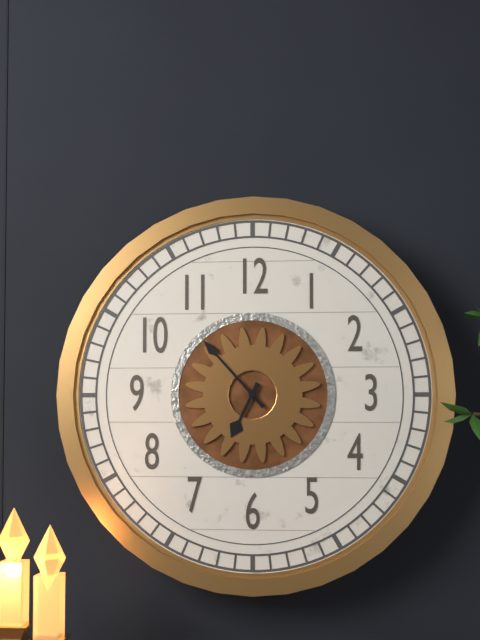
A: 6:53
